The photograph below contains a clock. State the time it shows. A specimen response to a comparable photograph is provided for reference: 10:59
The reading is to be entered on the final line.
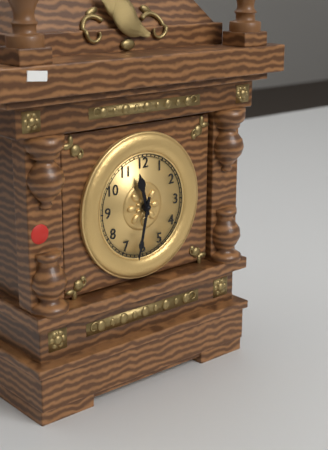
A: 11:32
